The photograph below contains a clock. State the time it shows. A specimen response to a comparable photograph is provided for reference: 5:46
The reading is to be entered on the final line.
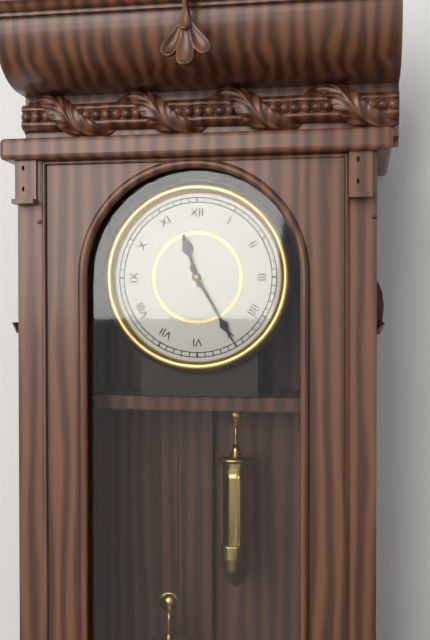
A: 11:25
